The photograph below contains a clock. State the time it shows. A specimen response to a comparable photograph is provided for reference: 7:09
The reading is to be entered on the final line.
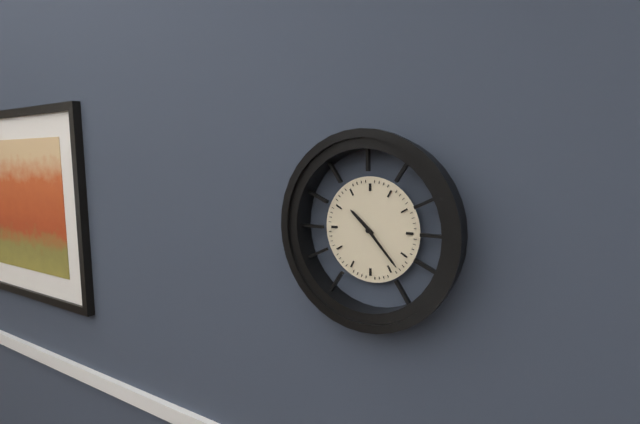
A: 10:23
